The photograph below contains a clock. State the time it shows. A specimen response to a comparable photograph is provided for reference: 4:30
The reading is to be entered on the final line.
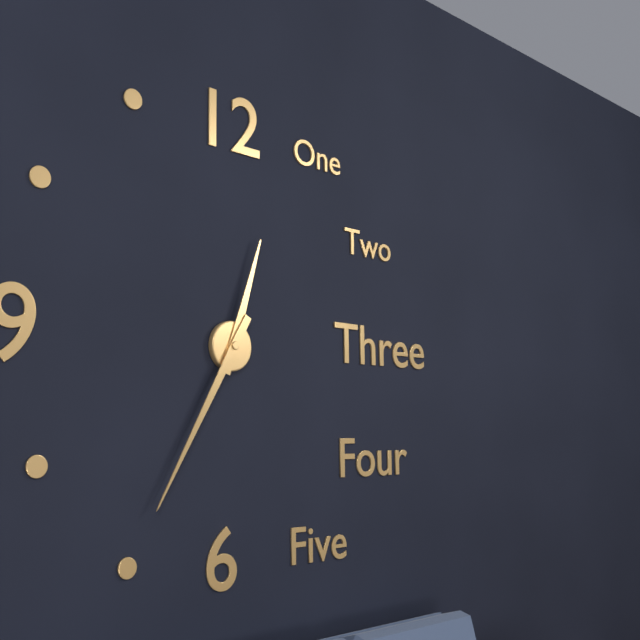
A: 12:35
